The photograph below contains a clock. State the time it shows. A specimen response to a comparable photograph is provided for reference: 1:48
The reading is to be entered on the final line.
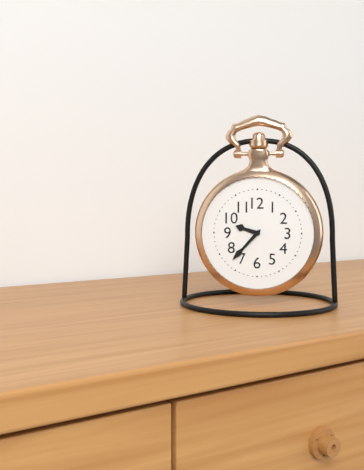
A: 9:37
